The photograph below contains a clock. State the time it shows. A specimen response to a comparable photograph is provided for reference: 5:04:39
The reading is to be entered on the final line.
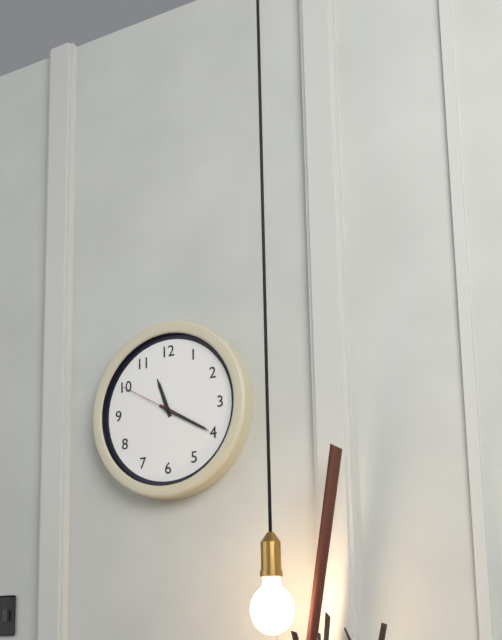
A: 11:20:50
